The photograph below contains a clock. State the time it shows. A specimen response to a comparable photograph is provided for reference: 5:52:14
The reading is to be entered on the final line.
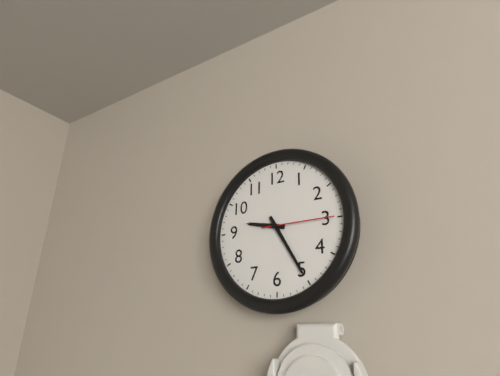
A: 9:25:15
